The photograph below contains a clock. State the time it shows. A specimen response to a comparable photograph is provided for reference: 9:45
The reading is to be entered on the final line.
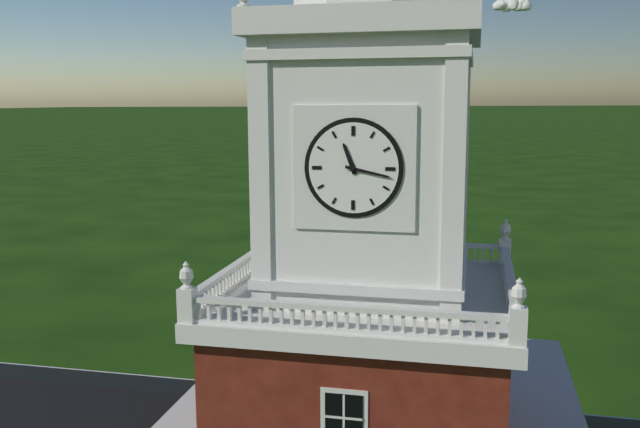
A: 11:17
